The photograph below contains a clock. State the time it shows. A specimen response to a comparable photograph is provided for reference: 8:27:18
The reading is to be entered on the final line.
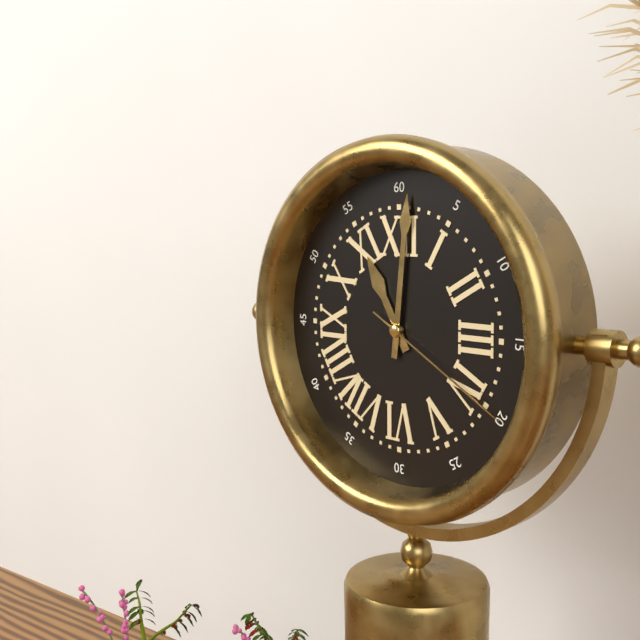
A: 11:01:20
